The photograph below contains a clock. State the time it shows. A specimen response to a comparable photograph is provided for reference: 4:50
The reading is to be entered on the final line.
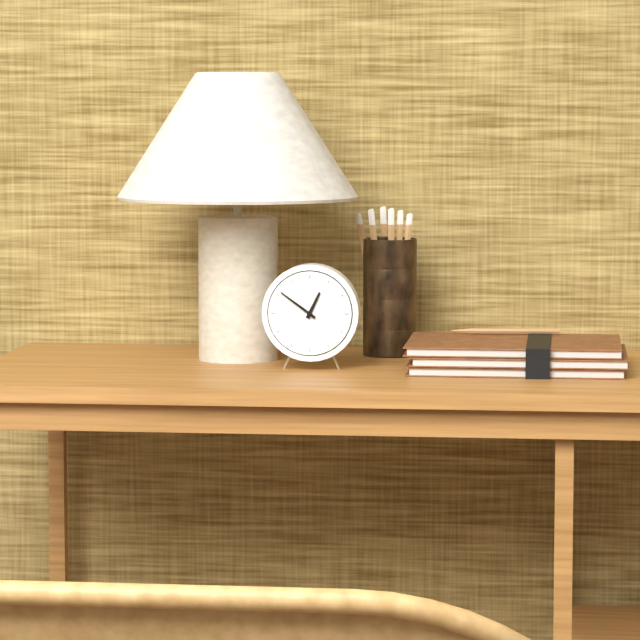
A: 12:51
